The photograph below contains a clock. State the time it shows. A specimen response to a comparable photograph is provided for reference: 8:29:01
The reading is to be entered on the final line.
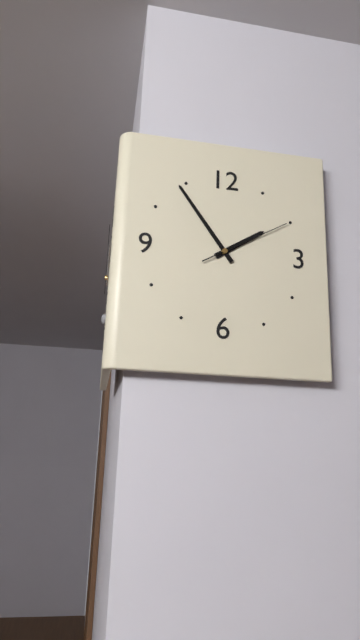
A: 1:54:10
